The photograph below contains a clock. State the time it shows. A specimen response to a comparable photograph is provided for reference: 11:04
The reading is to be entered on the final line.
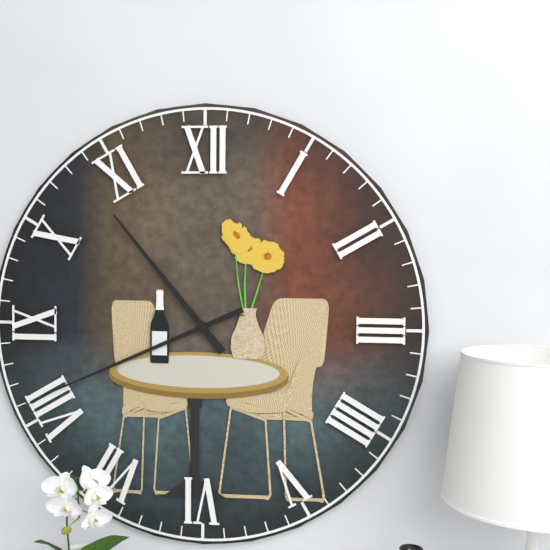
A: 10:41
